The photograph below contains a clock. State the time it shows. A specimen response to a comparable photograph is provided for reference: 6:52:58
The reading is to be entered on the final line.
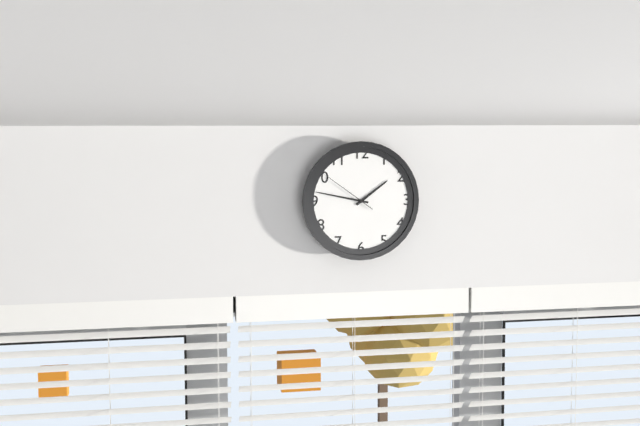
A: 1:47:51
